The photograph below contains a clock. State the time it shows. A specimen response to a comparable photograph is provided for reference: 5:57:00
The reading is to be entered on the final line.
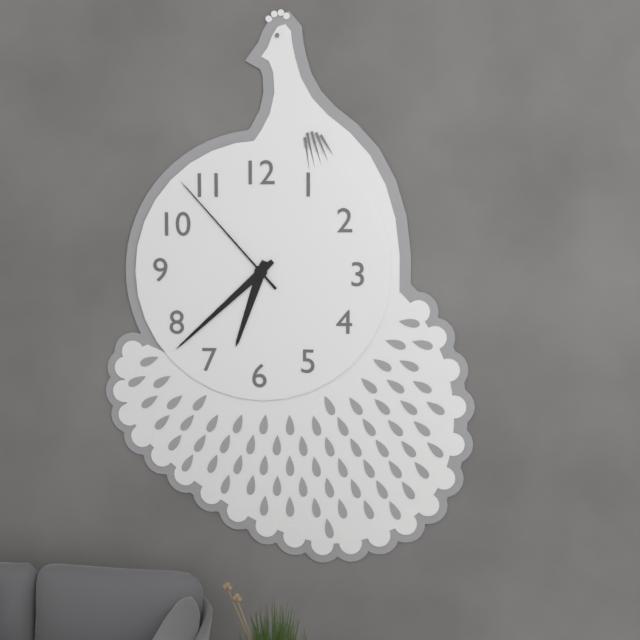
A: 6:38:53
